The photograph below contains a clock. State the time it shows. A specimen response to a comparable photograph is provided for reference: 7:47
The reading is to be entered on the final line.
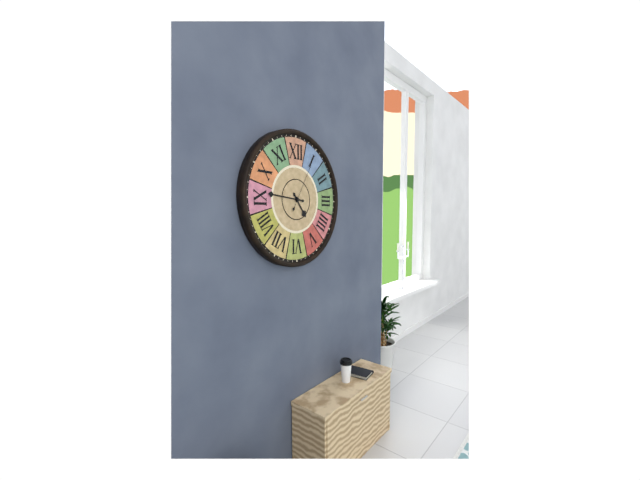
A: 4:46
